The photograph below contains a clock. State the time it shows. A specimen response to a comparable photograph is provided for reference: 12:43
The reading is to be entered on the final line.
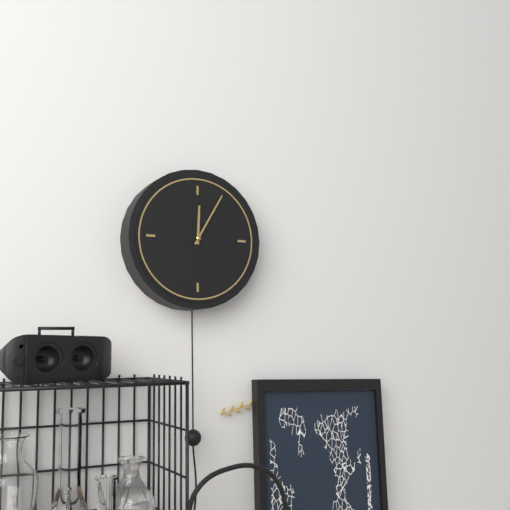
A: 12:05
